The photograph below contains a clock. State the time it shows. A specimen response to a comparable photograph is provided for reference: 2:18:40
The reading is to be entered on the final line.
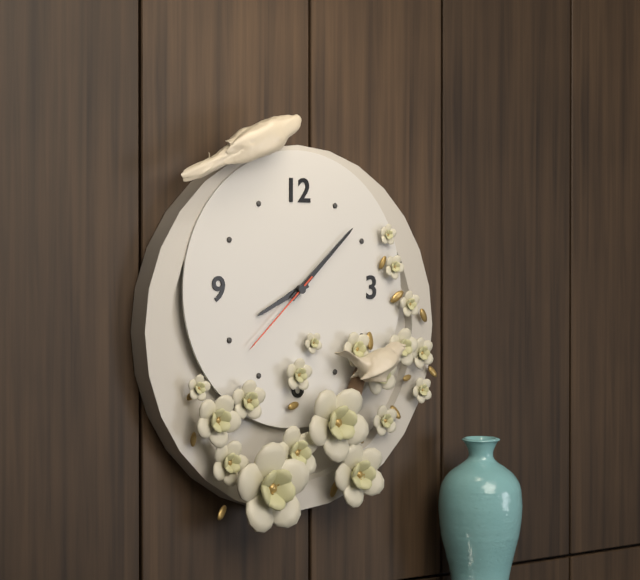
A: 8:08:38
